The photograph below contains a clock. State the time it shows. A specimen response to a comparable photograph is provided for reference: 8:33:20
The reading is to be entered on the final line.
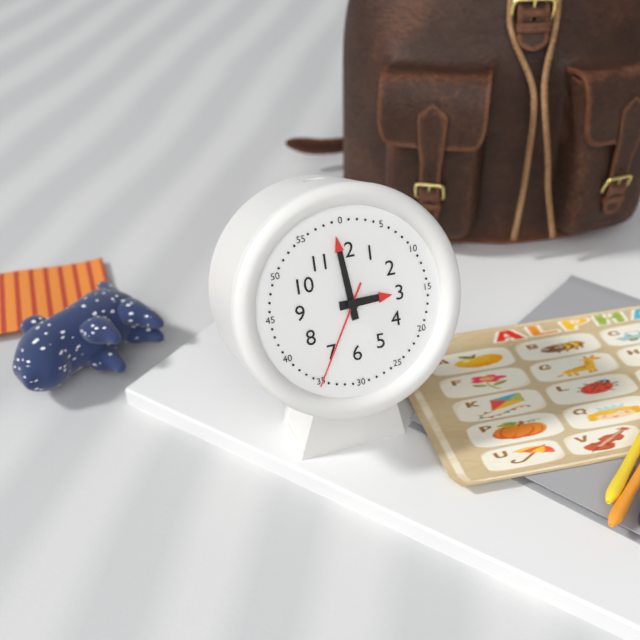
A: 2:59:35
